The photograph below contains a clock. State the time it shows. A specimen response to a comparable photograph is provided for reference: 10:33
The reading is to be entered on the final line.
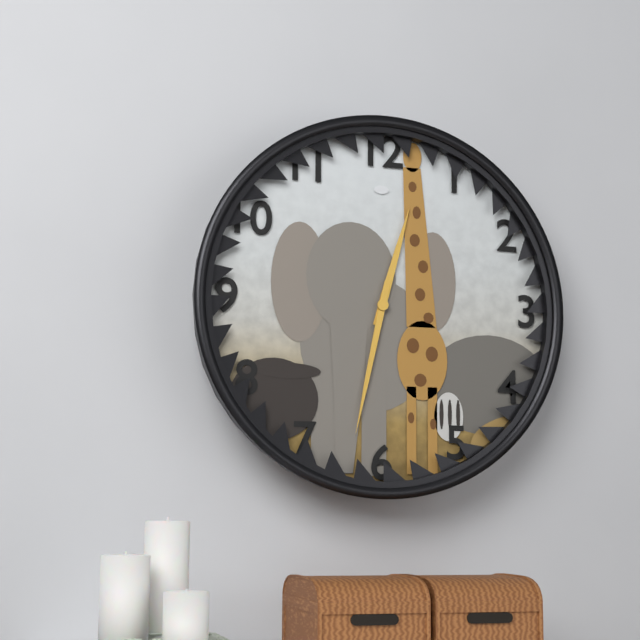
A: 12:32
